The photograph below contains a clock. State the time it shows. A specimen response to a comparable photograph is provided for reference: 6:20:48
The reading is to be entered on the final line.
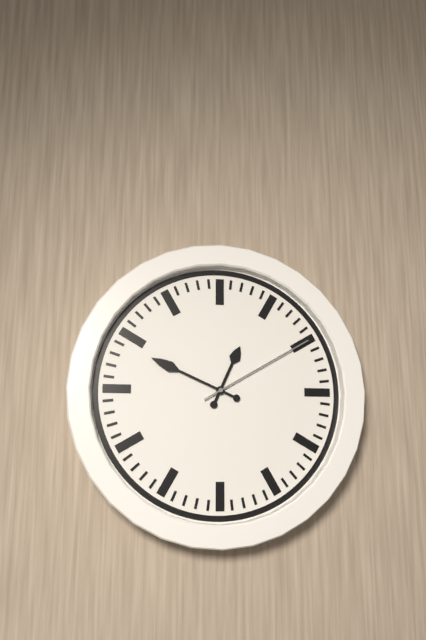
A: 12:49:10
